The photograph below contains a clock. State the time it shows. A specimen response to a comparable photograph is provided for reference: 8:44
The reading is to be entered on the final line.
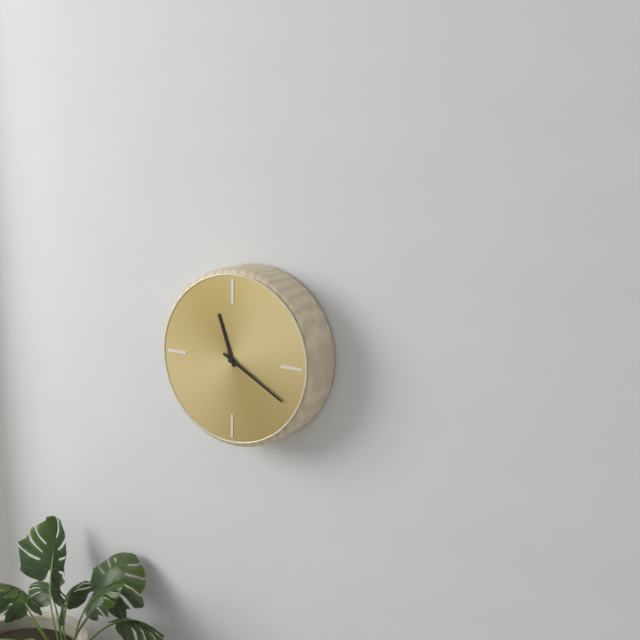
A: 11:20
